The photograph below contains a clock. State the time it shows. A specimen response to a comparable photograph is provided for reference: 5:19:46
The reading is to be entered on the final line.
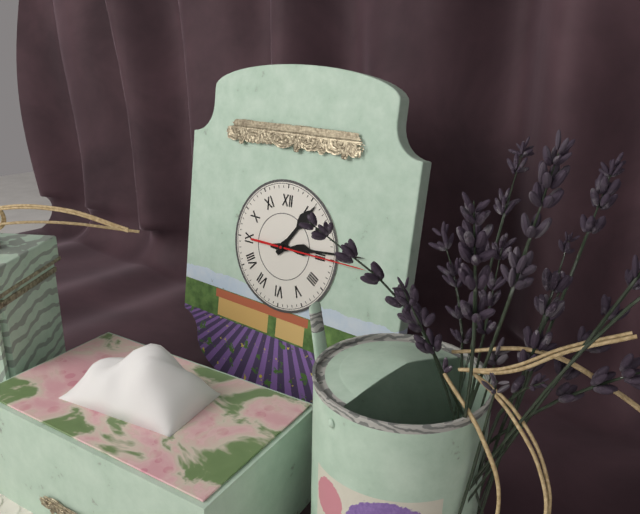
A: 1:14:15
